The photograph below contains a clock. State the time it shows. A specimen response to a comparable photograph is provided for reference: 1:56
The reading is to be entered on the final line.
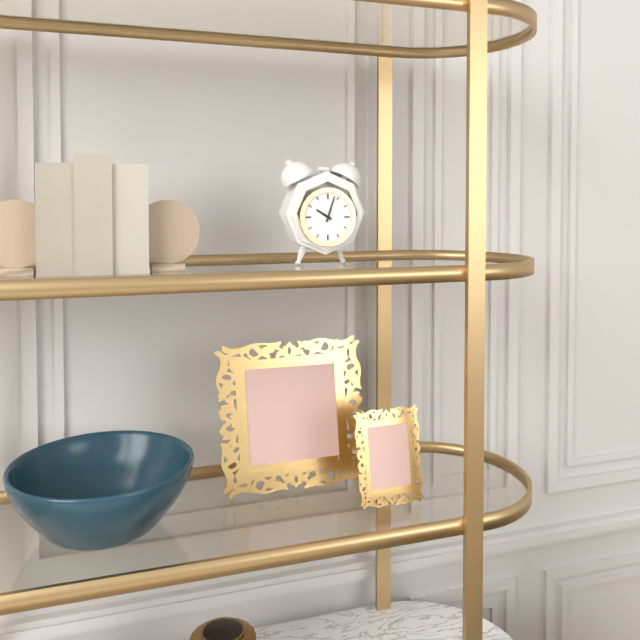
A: 10:03
